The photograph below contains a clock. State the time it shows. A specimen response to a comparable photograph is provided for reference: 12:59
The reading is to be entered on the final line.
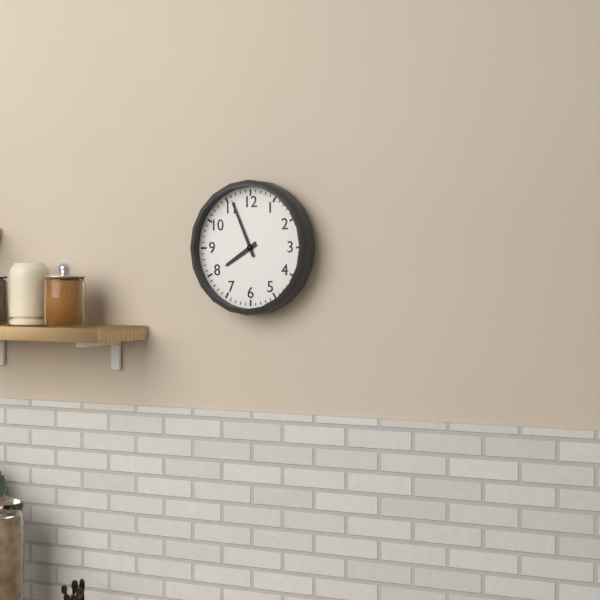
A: 7:56
